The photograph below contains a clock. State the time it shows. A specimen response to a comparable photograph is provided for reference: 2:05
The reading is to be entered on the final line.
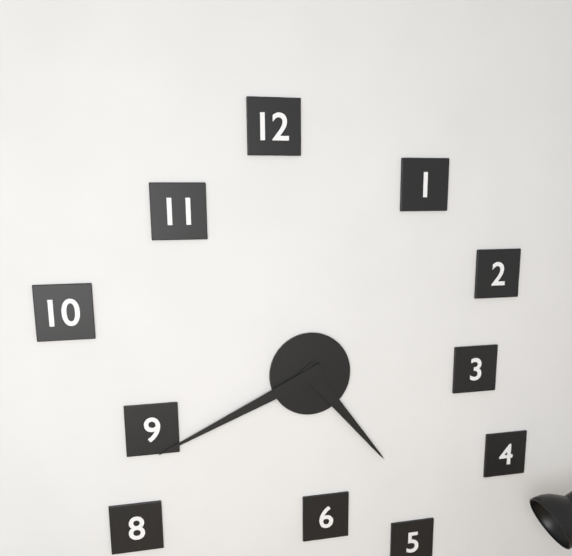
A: 4:41
